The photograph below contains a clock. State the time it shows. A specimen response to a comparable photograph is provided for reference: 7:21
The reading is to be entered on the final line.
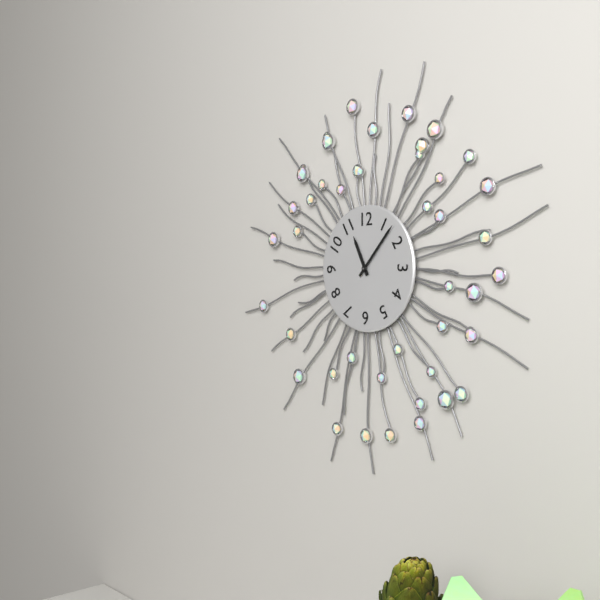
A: 11:07
